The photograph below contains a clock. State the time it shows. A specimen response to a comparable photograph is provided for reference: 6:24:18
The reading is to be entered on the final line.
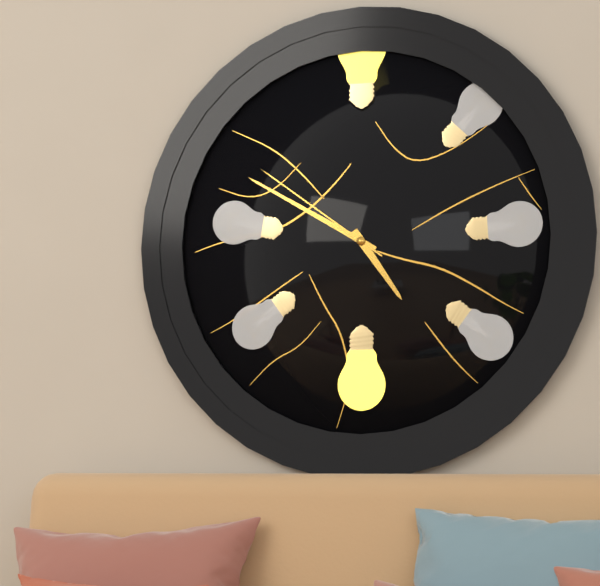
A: 4:50:51
